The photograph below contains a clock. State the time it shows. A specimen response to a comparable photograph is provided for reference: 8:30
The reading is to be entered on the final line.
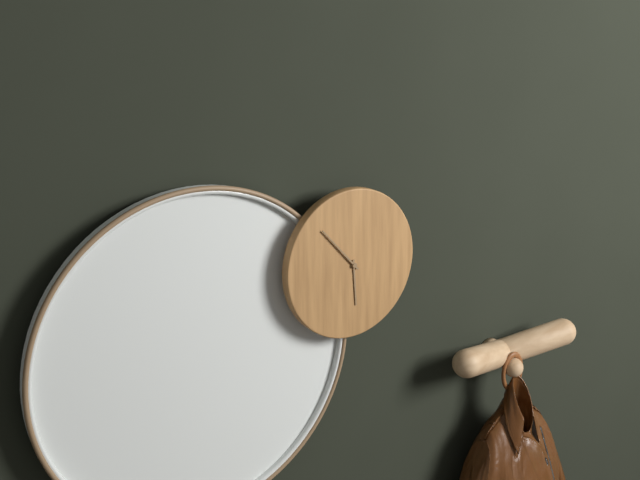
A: 5:53
